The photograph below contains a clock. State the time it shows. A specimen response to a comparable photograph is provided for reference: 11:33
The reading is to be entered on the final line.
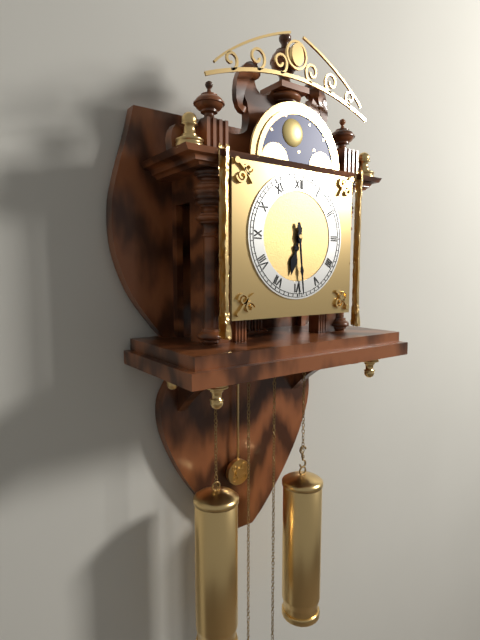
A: 6:29
